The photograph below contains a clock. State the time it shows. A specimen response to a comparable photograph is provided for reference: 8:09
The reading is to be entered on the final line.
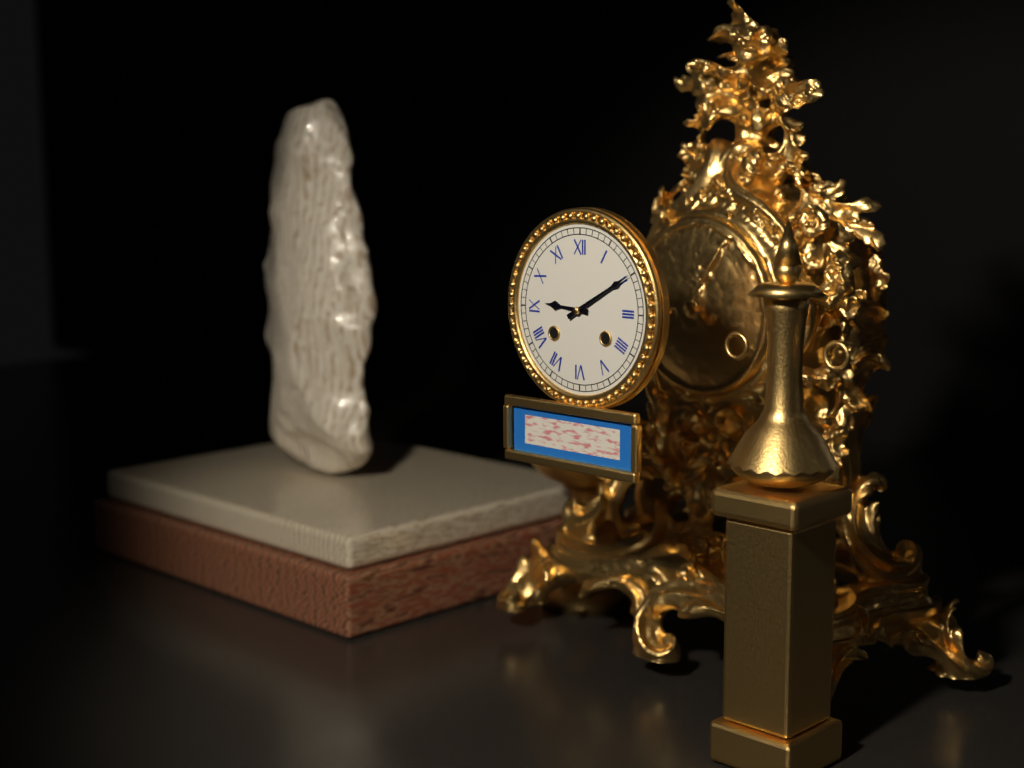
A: 9:10
